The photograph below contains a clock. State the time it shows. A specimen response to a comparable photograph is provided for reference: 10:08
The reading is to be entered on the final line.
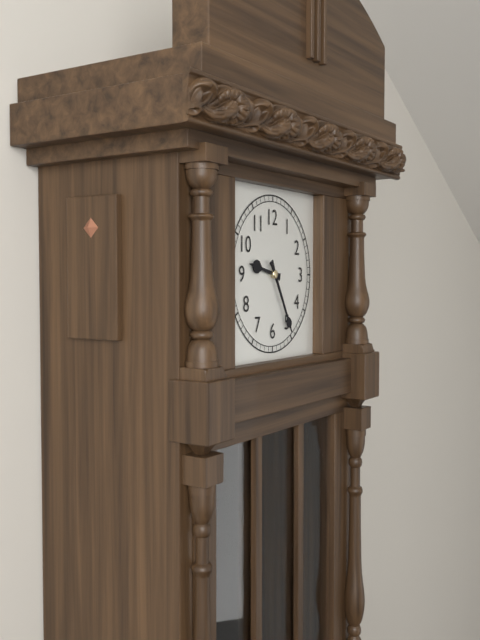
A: 9:25
